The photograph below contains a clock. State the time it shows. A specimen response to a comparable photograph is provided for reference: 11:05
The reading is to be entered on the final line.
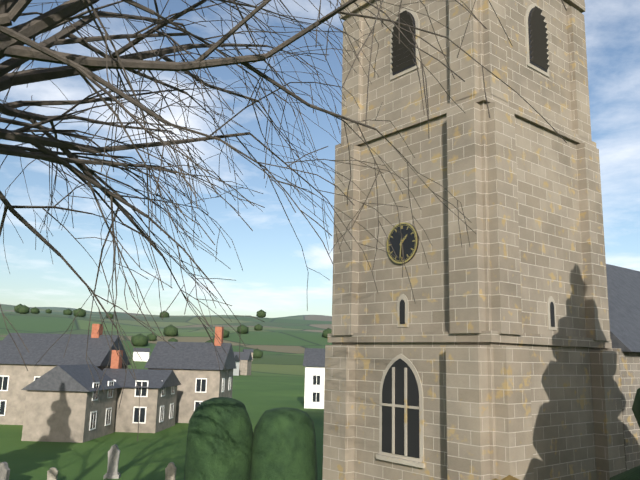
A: 1:31
